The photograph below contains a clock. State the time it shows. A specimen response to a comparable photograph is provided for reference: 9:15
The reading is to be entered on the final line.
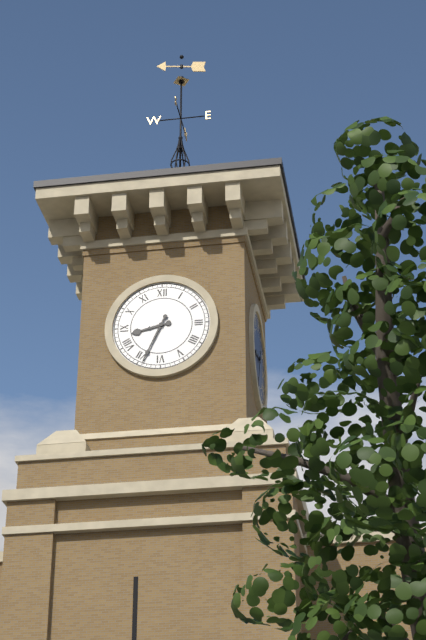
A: 8:34
